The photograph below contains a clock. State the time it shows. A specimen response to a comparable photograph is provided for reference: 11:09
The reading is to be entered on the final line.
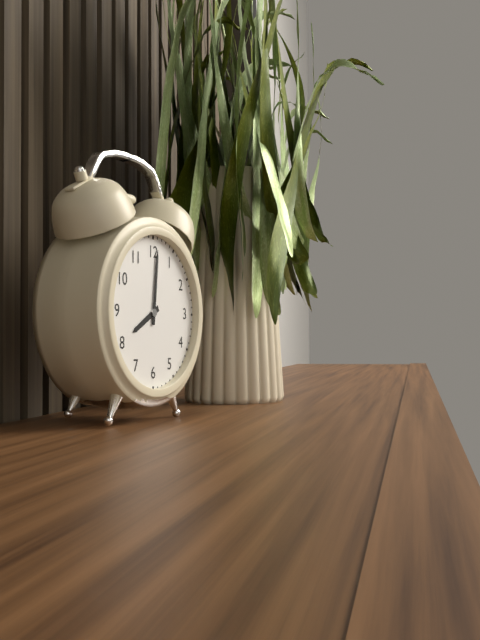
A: 8:01
